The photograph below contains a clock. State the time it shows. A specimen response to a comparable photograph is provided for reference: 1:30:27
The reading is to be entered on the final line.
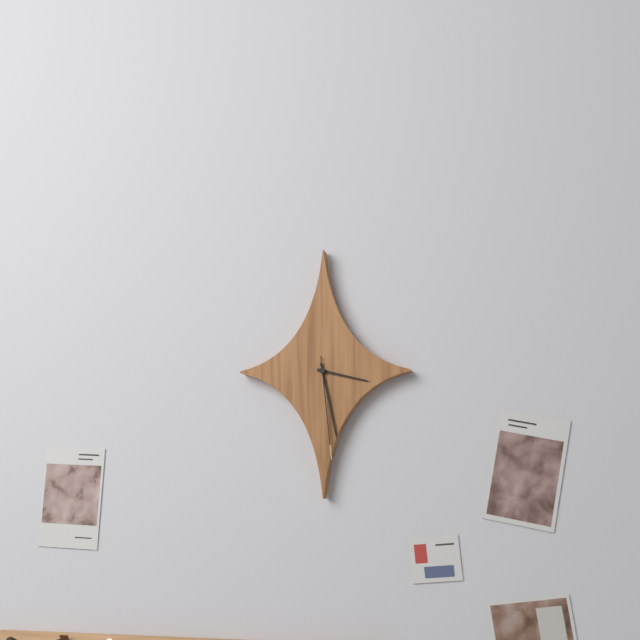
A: 3:28:29
